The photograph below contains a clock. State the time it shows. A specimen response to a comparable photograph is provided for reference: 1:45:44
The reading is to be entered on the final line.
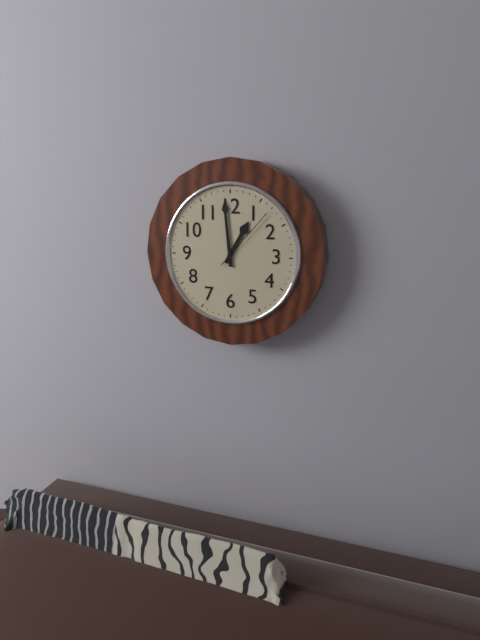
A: 12:59:07
